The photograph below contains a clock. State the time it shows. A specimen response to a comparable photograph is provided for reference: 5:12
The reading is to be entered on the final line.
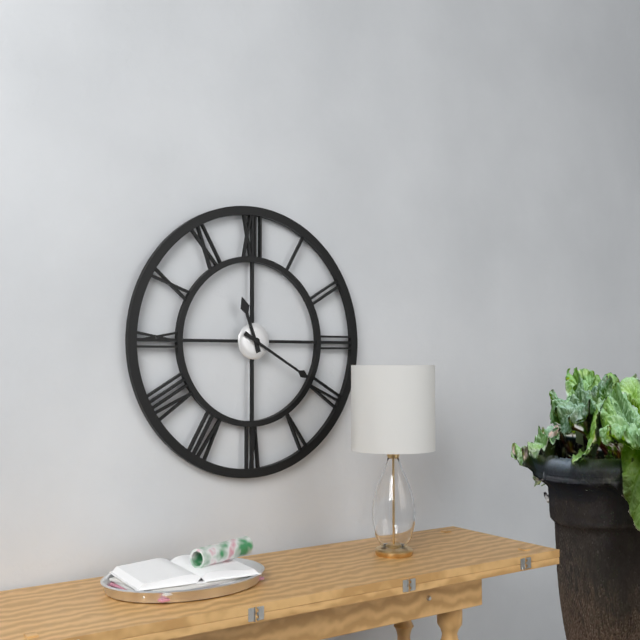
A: 11:20
